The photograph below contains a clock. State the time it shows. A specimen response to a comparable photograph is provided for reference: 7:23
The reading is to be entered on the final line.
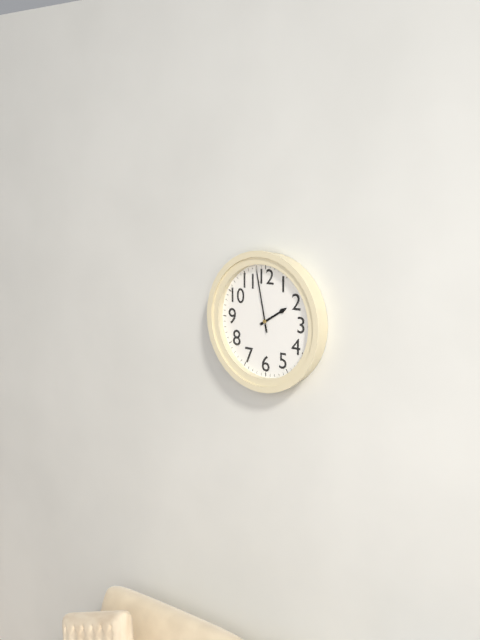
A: 1:58
